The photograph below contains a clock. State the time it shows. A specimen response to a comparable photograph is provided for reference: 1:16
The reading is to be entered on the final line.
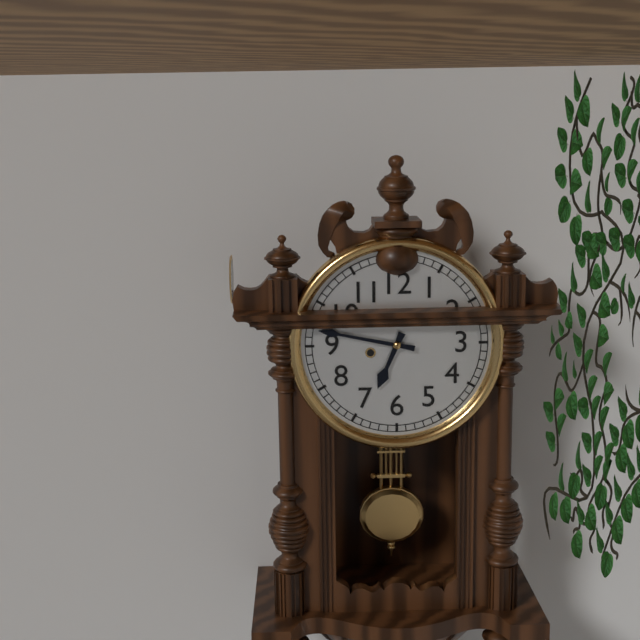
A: 6:47
